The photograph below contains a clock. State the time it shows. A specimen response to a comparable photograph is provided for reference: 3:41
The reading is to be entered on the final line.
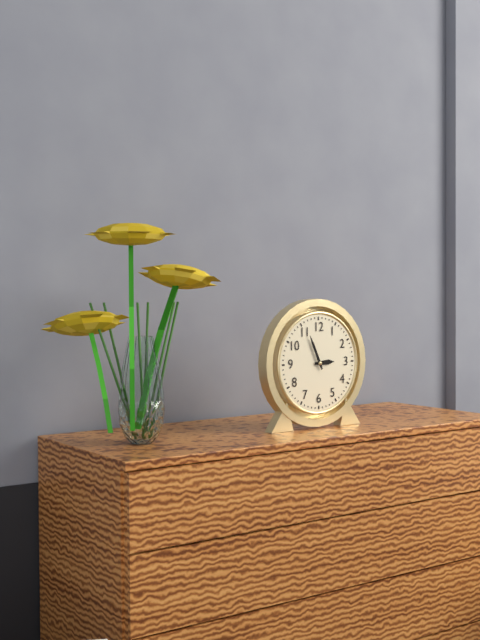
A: 2:56
